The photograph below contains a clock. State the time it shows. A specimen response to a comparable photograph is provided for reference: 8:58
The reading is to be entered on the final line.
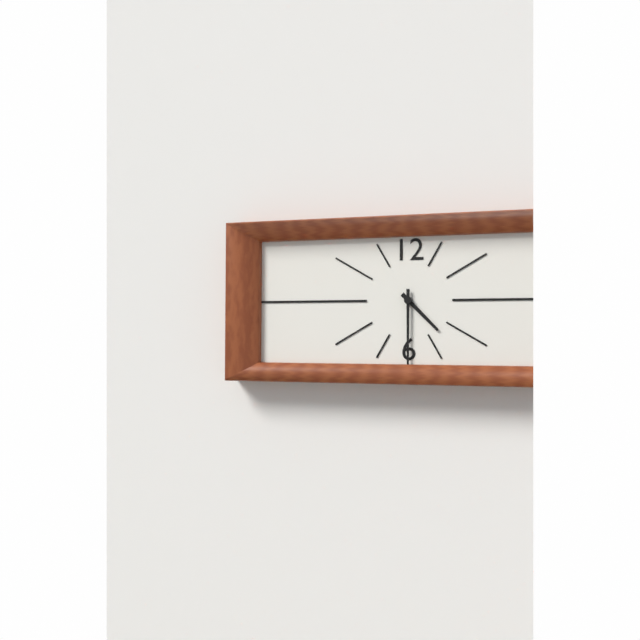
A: 4:30
